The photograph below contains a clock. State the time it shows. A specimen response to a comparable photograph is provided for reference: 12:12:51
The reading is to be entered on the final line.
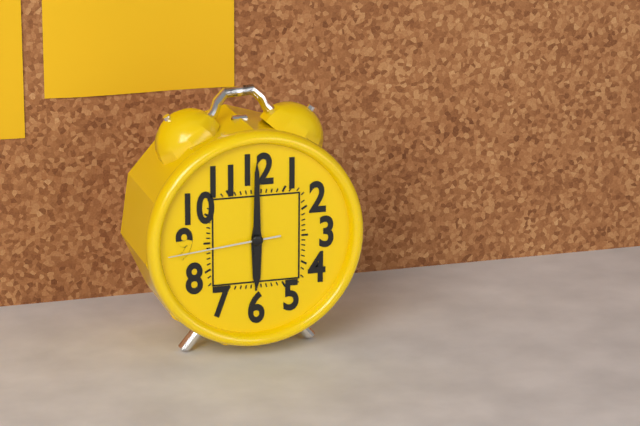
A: 6:00:44
